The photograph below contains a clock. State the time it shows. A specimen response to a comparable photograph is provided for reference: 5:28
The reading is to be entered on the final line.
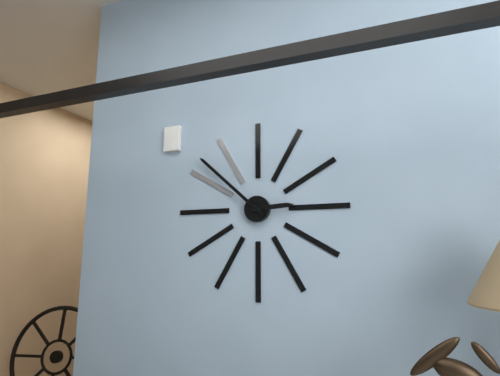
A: 2:52
